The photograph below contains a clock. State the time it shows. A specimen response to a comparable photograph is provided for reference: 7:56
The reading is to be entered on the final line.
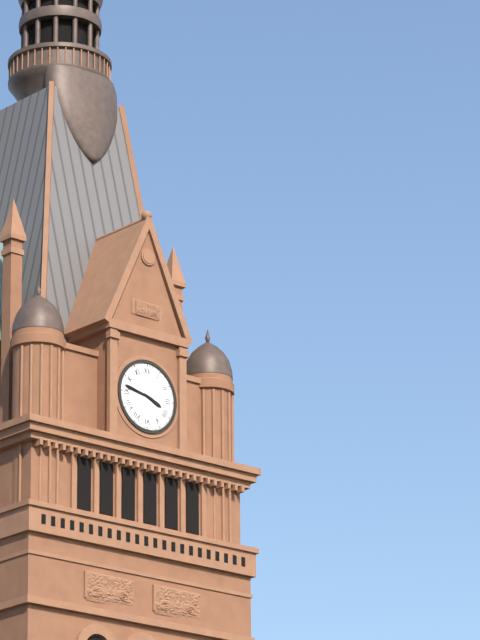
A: 3:47
